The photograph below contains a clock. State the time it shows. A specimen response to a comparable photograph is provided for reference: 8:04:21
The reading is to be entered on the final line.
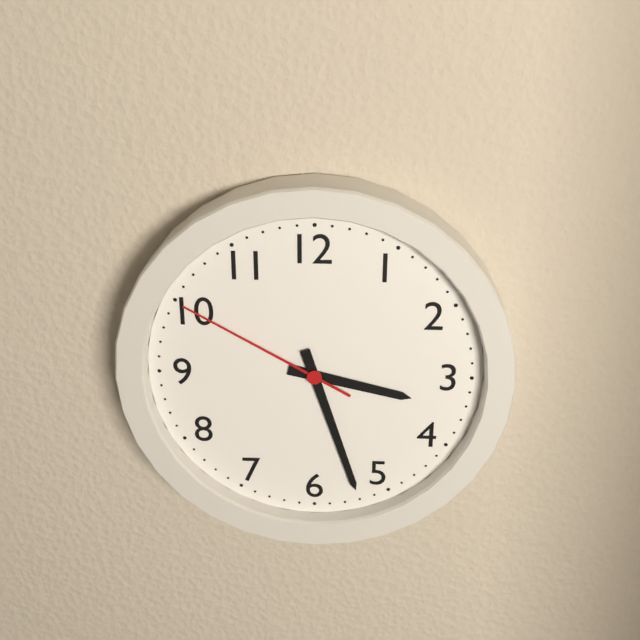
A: 3:27:50
